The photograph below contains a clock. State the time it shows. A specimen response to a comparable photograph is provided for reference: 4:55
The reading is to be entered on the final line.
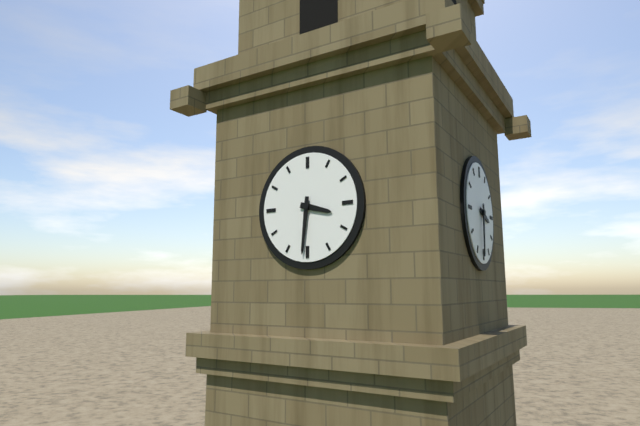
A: 3:31
